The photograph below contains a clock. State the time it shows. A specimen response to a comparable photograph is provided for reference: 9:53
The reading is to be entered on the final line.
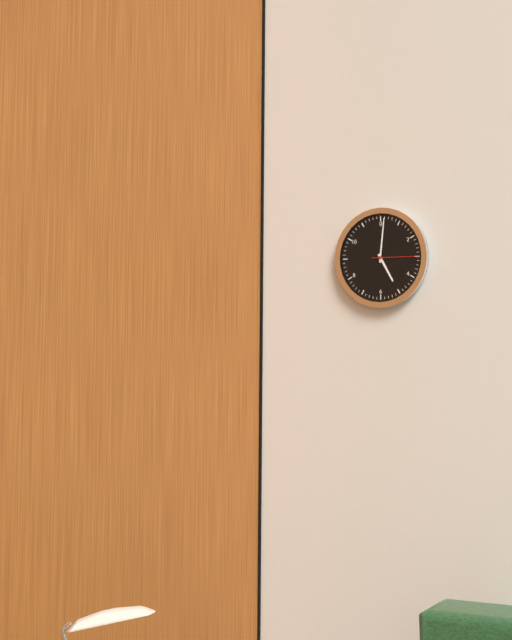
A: 5:01
